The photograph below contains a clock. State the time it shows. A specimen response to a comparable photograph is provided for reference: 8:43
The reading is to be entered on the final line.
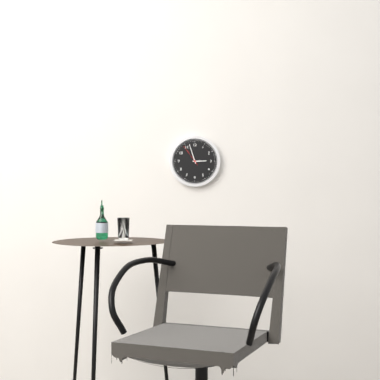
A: 2:57
